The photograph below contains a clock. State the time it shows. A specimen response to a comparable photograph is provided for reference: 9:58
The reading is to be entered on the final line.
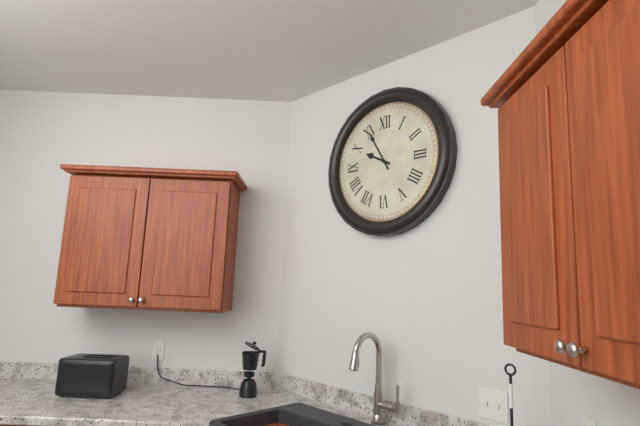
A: 9:55
